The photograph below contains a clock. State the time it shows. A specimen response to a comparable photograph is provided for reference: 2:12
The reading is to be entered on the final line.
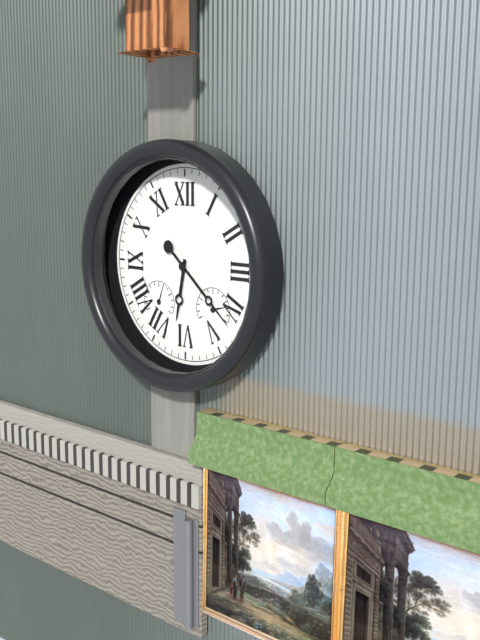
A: 6:22
